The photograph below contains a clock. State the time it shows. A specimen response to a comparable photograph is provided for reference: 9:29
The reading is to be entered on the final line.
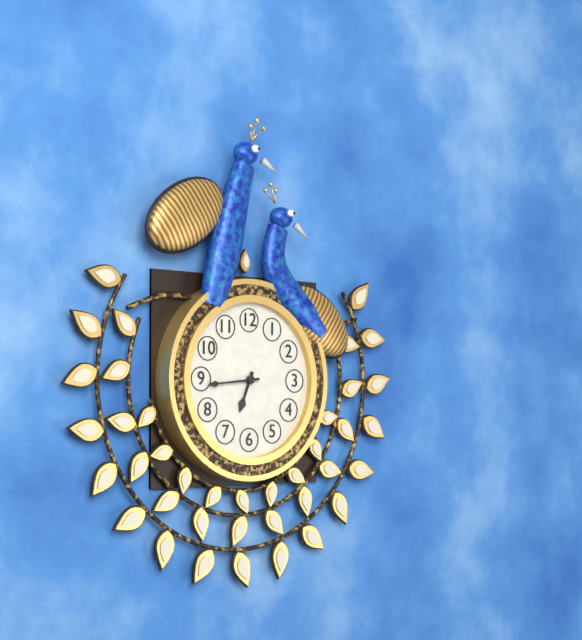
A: 6:44
